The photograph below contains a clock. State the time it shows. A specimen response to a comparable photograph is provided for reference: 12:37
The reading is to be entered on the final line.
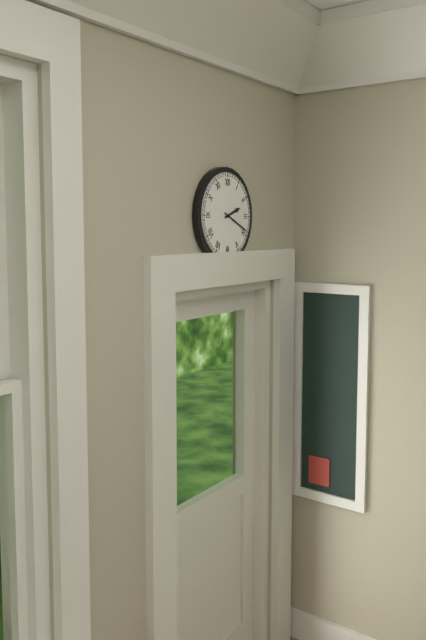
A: 2:19
